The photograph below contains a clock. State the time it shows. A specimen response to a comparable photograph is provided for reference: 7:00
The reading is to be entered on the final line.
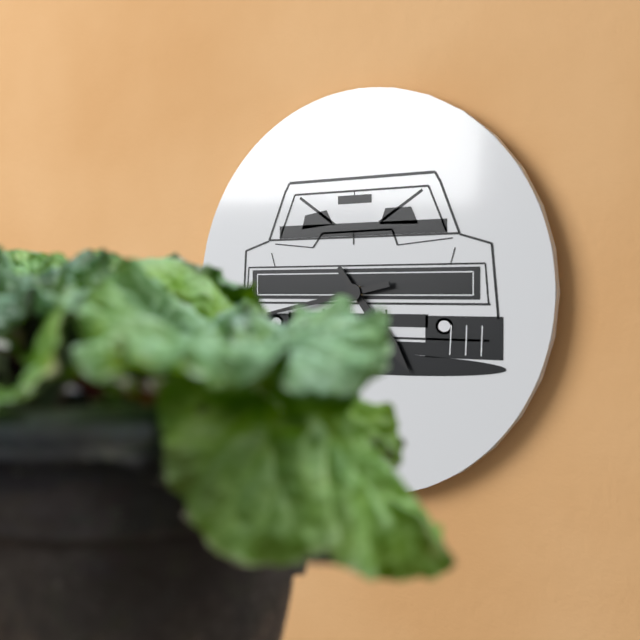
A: 4:43
